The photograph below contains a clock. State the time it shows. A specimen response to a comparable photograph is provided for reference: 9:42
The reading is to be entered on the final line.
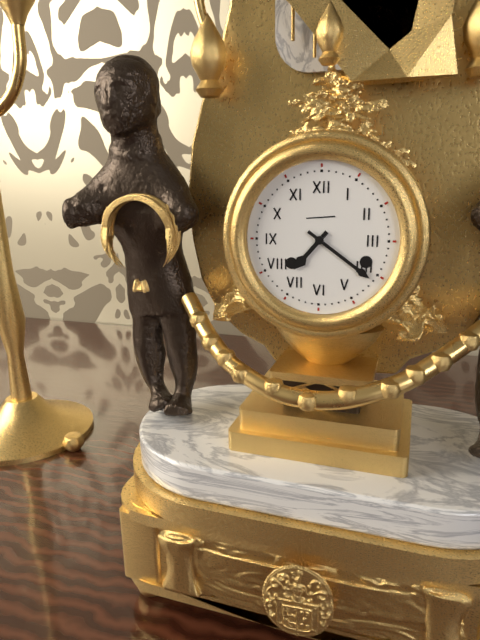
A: 7:21
